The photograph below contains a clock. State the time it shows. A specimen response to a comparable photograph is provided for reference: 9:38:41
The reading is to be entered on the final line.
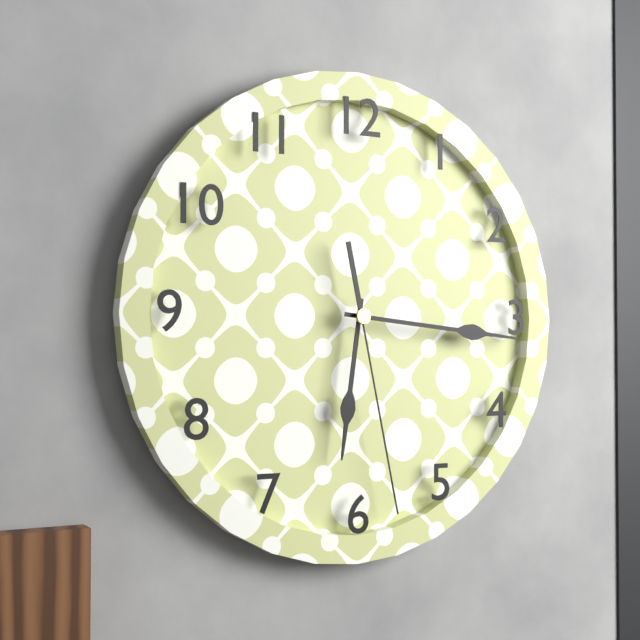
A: 6:16:28
